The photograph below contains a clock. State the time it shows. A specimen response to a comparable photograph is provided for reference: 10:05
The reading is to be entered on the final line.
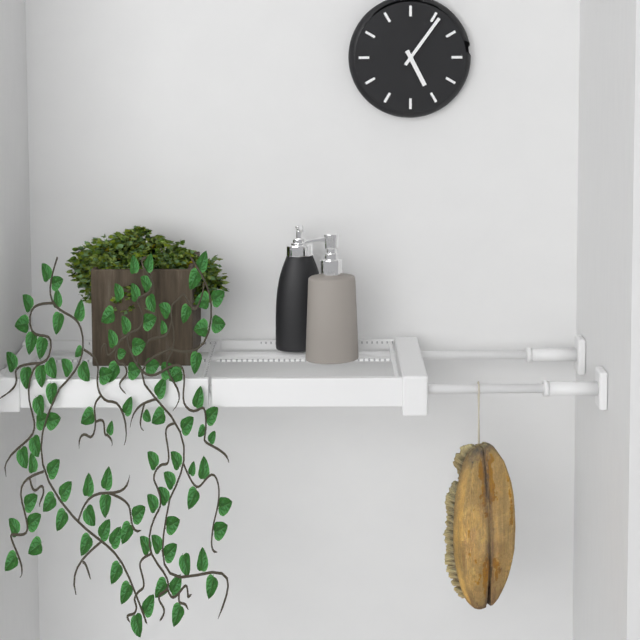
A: 5:06
